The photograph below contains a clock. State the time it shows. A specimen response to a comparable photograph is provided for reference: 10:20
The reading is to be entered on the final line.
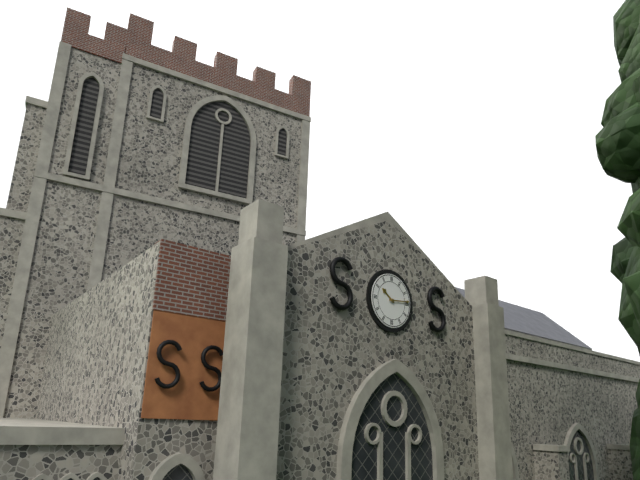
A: 10:14
